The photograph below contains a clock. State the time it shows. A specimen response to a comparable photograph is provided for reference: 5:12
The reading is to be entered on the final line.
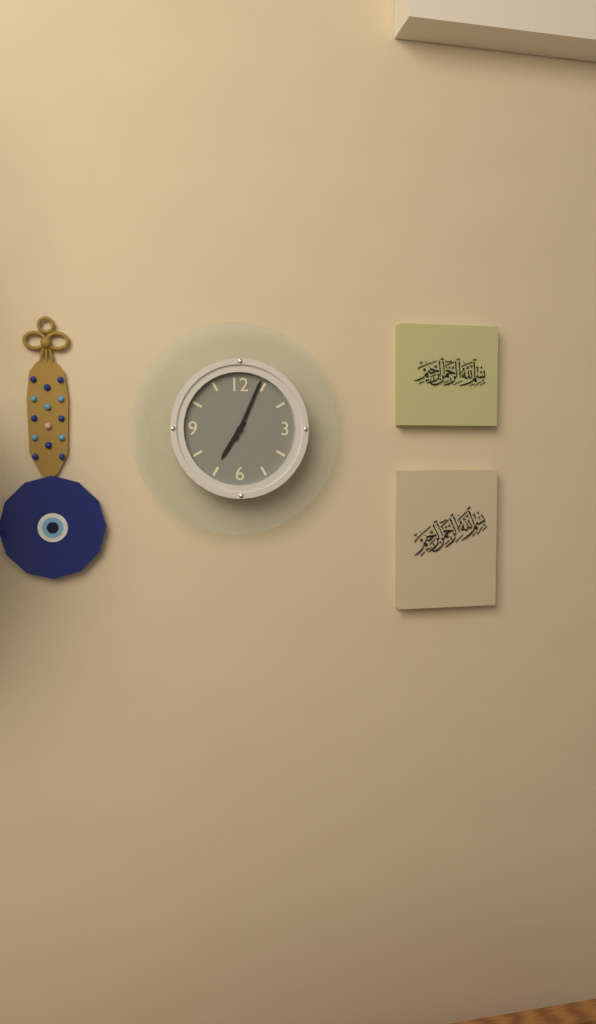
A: 7:04
